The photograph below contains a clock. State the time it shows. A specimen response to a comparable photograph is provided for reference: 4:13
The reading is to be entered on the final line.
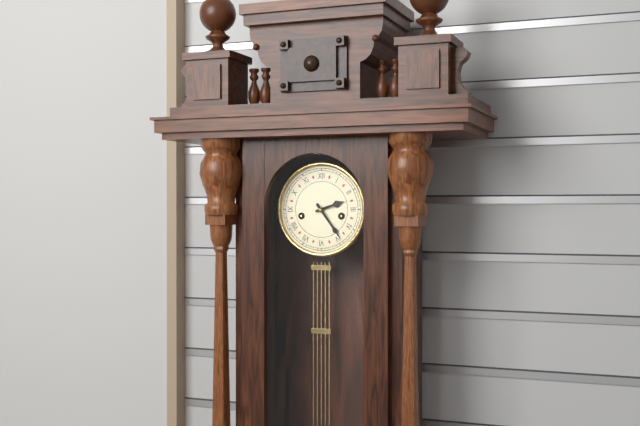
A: 2:24
